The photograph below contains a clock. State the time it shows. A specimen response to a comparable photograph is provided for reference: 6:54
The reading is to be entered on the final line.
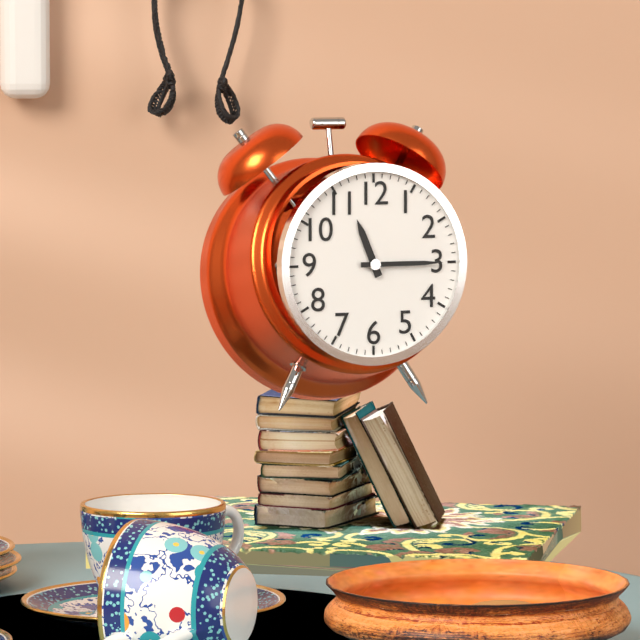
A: 11:15
